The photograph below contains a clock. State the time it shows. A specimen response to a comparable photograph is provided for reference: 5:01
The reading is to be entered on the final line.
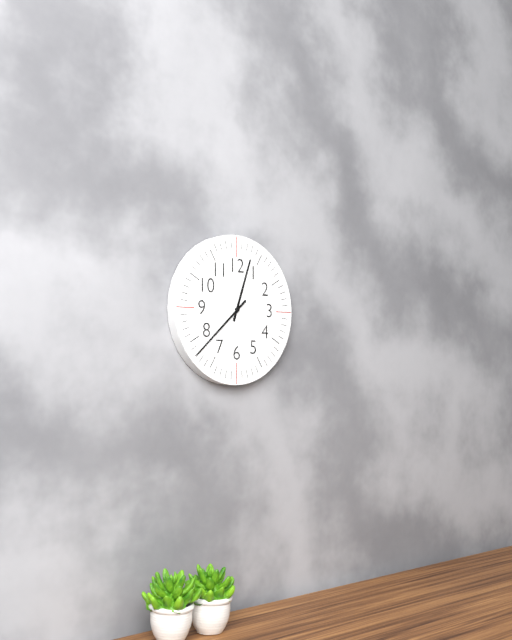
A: 12:38
